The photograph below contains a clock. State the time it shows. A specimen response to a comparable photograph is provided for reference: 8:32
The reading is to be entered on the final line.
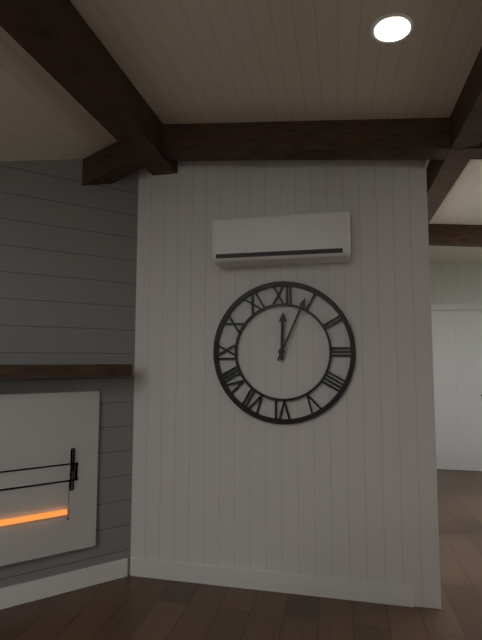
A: 12:04
